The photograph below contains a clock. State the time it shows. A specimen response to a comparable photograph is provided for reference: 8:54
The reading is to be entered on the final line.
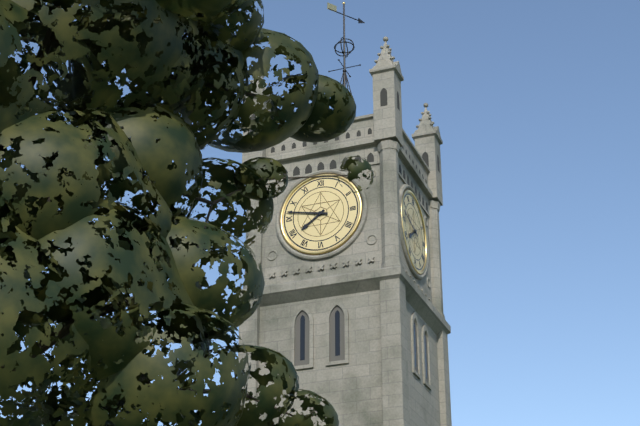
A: 7:47
